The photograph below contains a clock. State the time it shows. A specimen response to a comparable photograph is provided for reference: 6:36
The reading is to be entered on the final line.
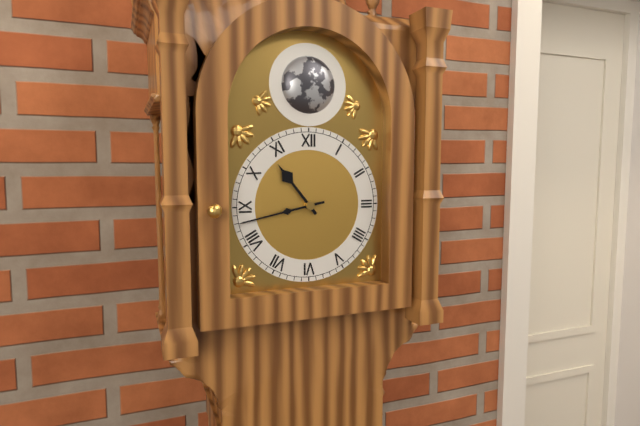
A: 10:43
